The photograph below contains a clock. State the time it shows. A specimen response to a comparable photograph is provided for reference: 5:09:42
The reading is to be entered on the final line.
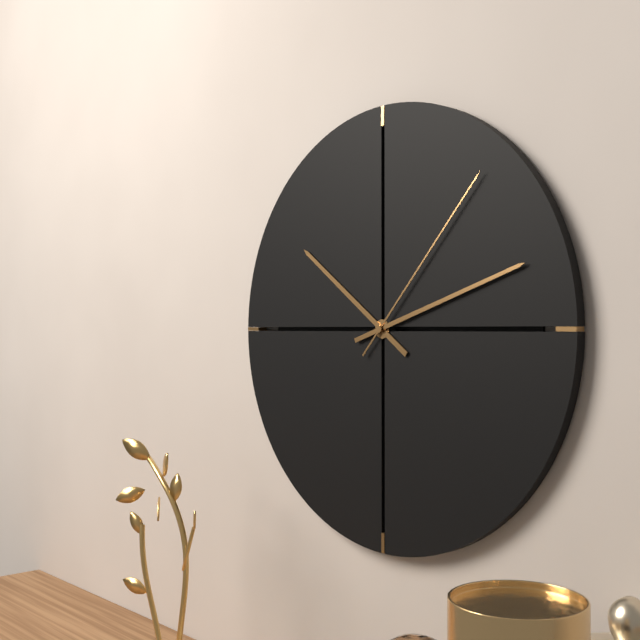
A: 10:12:07
